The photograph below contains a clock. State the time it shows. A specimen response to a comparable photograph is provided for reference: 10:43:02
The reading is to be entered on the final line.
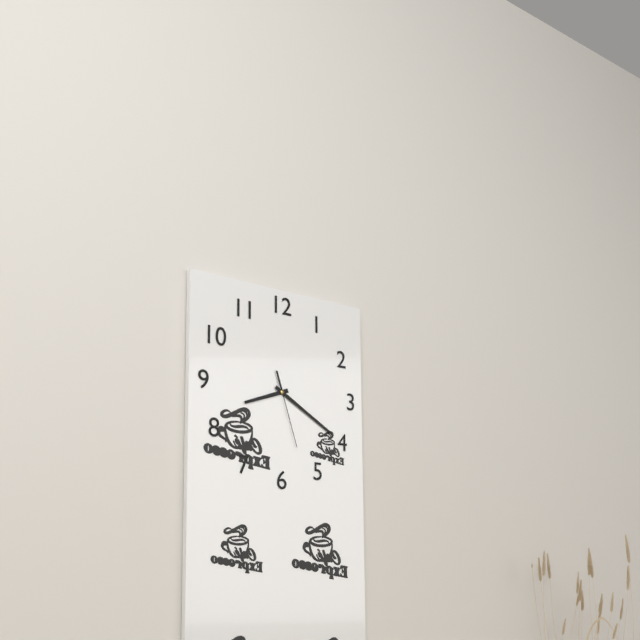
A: 8:20:27
